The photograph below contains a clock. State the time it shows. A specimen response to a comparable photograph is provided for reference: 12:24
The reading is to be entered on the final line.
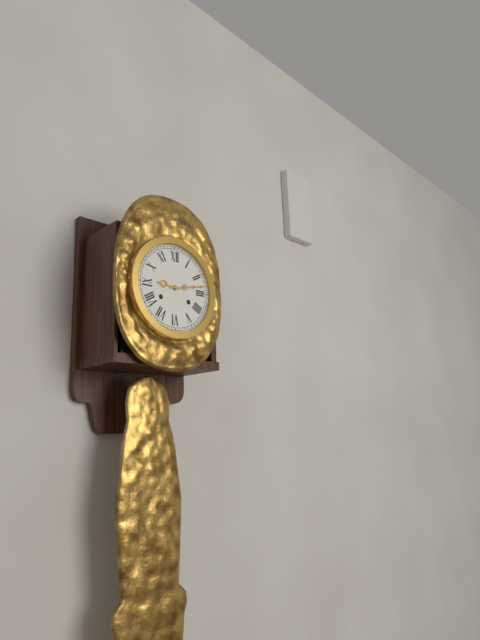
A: 9:13
